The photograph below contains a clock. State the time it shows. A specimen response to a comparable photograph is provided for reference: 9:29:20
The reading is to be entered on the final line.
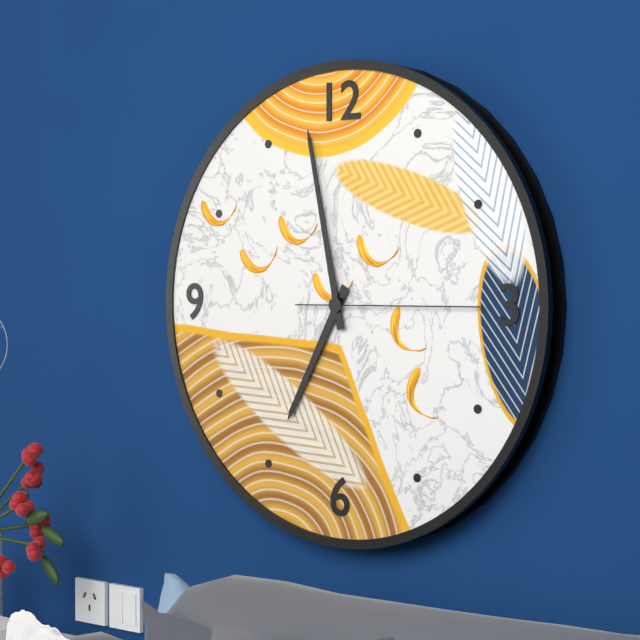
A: 6:58:15
